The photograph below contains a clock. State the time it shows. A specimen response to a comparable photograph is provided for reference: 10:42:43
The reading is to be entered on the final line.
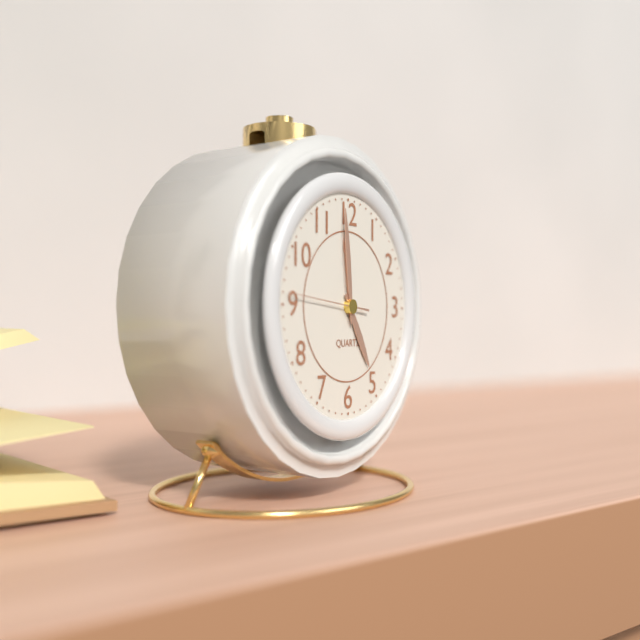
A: 4:59:46
